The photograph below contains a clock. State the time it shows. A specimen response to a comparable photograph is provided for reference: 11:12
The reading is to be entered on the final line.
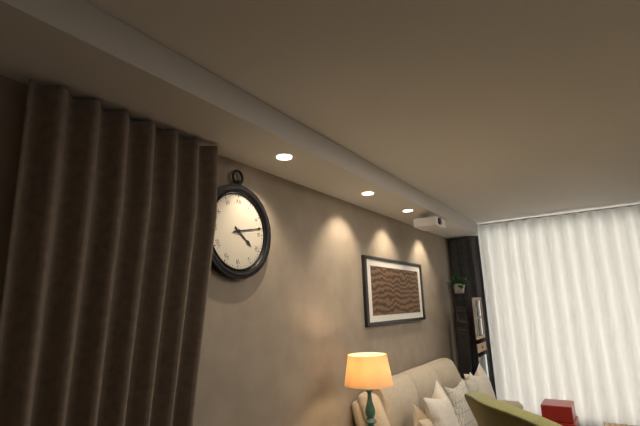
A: 4:13
